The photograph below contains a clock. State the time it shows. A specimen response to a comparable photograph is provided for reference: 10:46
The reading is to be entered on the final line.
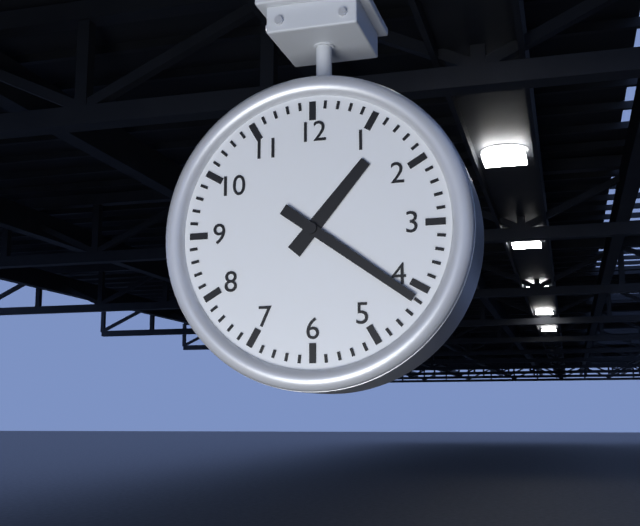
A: 1:21
